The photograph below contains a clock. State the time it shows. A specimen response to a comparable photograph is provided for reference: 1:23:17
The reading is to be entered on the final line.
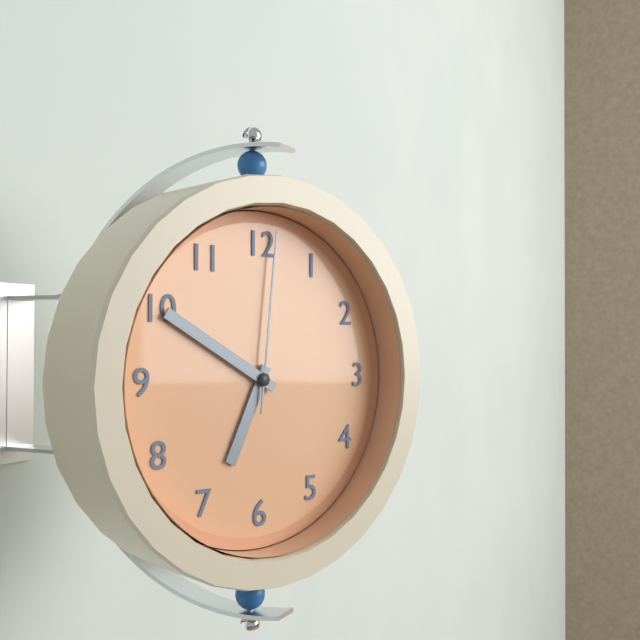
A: 6:50:01
